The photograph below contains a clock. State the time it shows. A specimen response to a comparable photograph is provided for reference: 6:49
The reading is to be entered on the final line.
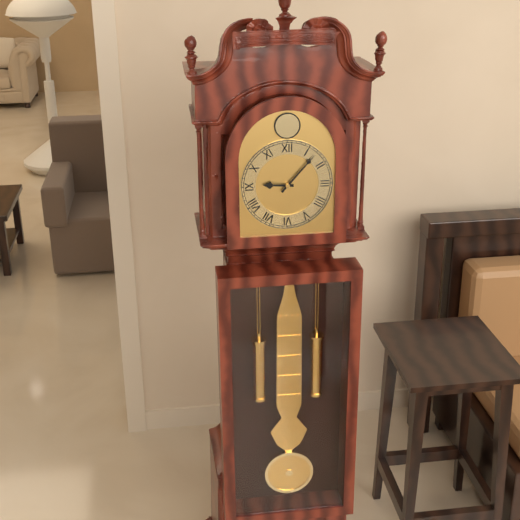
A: 9:07
